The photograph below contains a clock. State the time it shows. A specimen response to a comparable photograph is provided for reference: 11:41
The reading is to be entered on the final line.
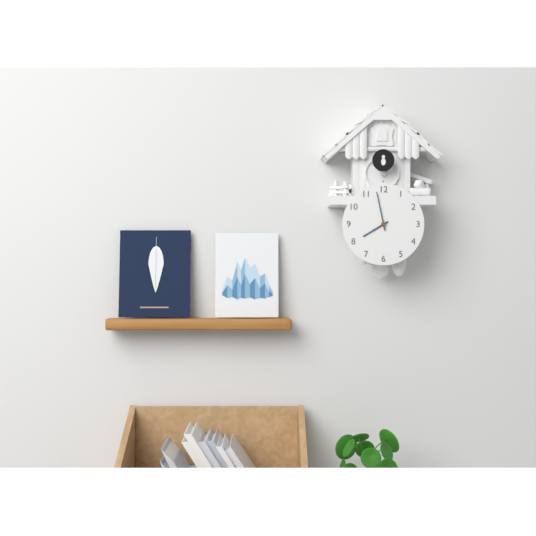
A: 7:58
